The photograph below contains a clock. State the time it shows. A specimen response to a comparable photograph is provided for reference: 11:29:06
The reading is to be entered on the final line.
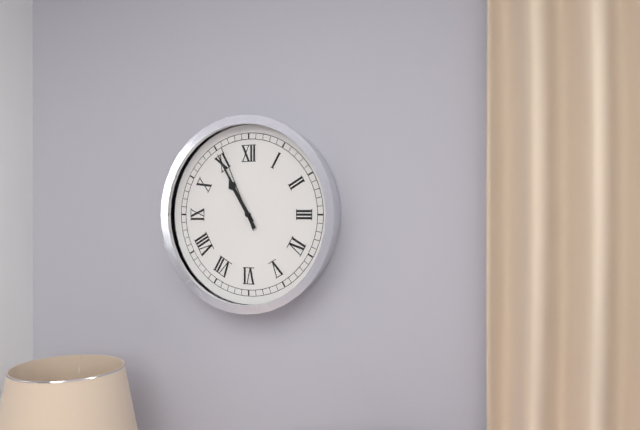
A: 10:55:56
